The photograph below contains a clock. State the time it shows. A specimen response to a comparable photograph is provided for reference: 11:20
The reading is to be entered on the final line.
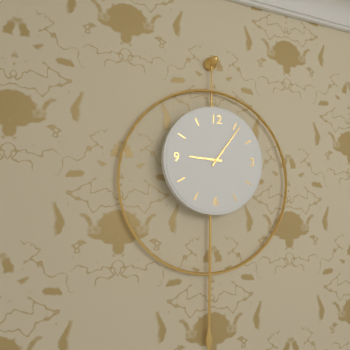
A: 9:06
